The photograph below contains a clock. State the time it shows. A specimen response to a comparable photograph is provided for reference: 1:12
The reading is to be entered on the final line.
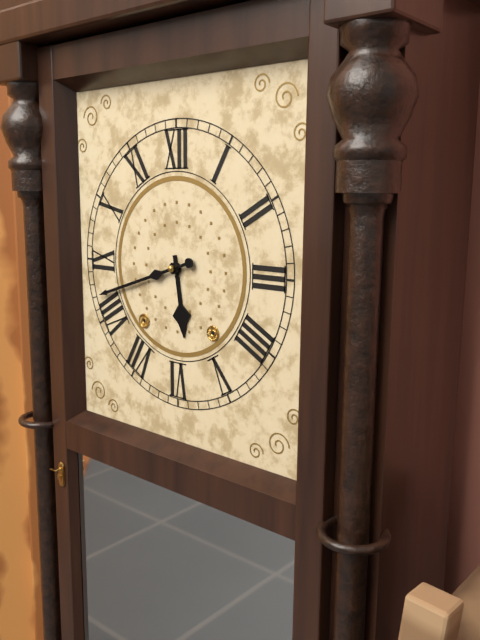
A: 5:42
